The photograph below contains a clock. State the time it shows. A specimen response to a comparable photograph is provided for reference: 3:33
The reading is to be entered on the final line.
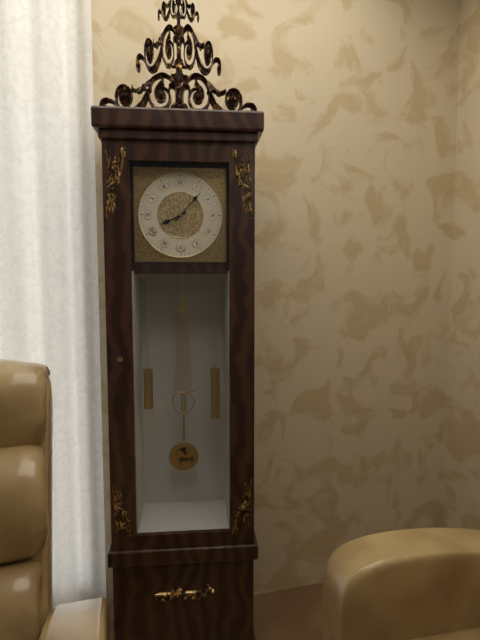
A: 8:07
